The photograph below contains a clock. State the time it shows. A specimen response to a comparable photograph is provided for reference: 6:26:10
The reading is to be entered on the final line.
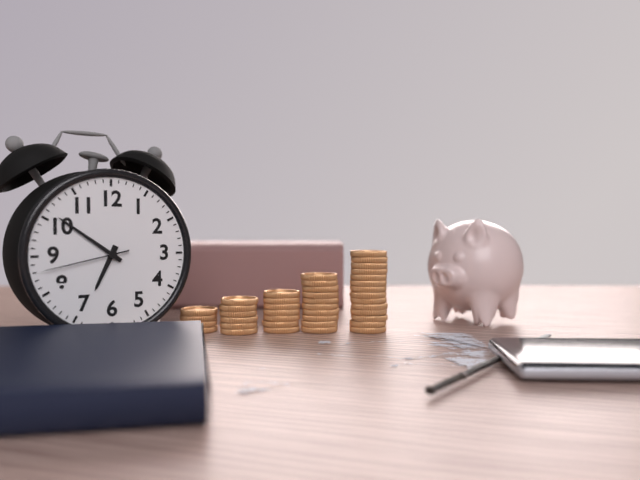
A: 6:51:43
